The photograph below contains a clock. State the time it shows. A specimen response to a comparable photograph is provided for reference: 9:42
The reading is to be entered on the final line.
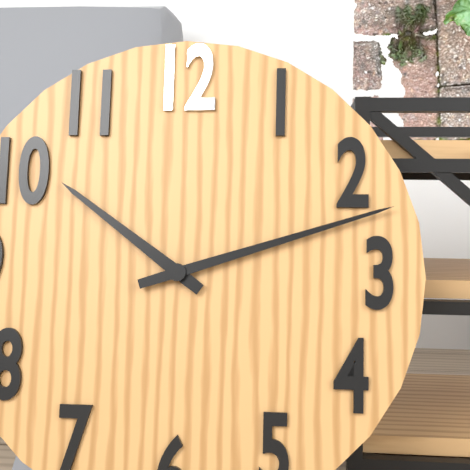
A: 10:12
